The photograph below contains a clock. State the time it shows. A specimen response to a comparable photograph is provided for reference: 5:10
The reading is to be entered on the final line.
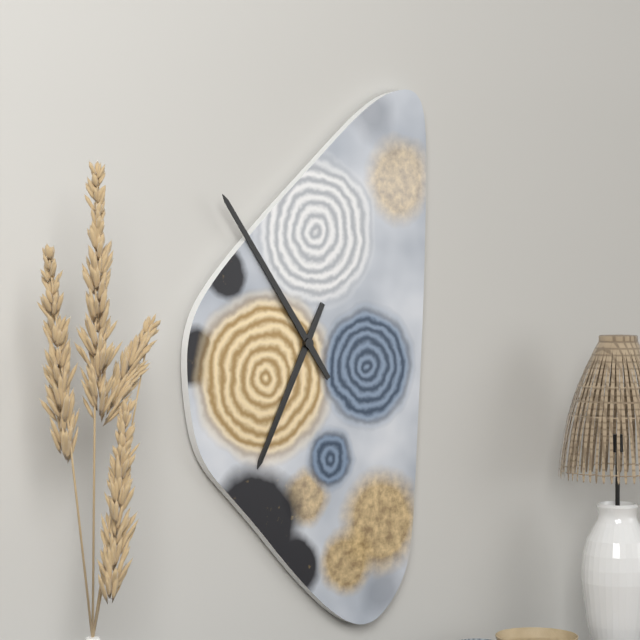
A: 6:54
